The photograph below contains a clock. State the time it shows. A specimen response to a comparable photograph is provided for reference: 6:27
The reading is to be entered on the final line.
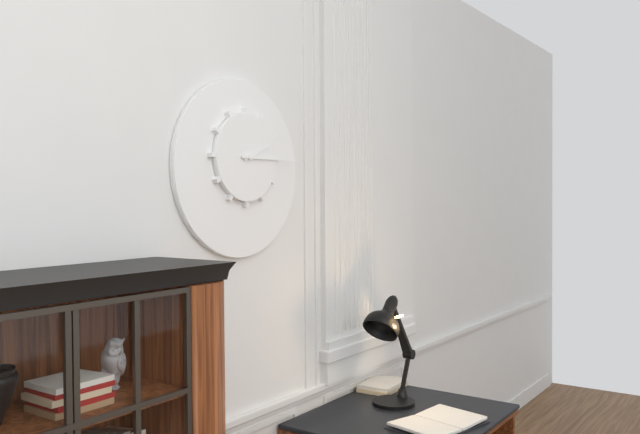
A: 2:15
